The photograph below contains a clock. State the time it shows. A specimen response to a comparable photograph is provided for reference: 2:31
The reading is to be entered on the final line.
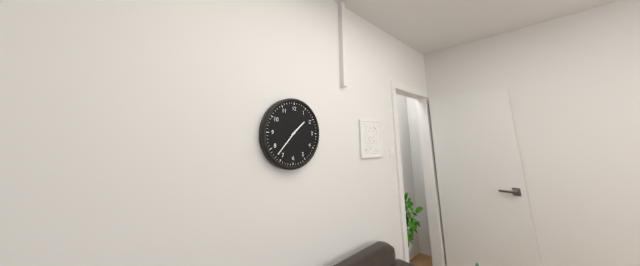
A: 1:37
